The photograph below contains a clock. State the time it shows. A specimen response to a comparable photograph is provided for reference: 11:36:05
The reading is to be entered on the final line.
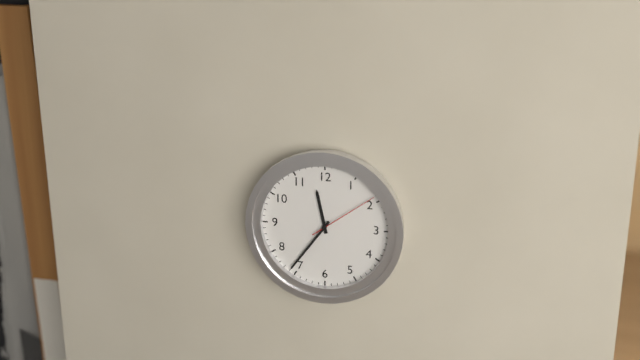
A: 11:36:09
